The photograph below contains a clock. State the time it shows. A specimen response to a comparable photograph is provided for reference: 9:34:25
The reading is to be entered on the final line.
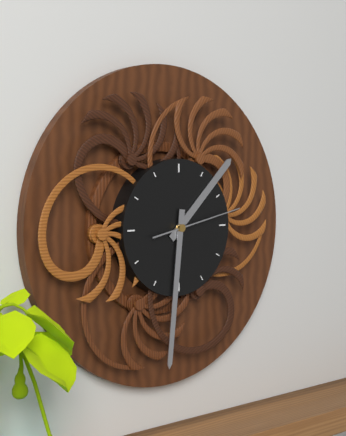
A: 1:31:13
